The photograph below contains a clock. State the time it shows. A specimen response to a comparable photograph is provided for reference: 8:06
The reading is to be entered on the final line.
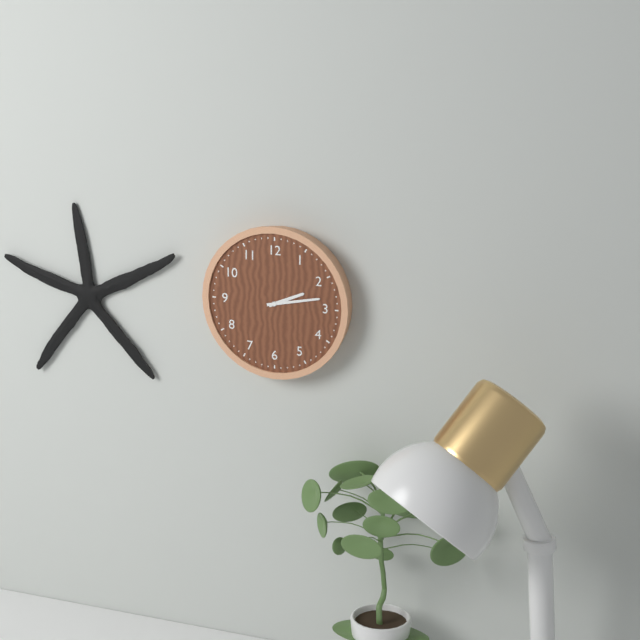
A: 2:13
